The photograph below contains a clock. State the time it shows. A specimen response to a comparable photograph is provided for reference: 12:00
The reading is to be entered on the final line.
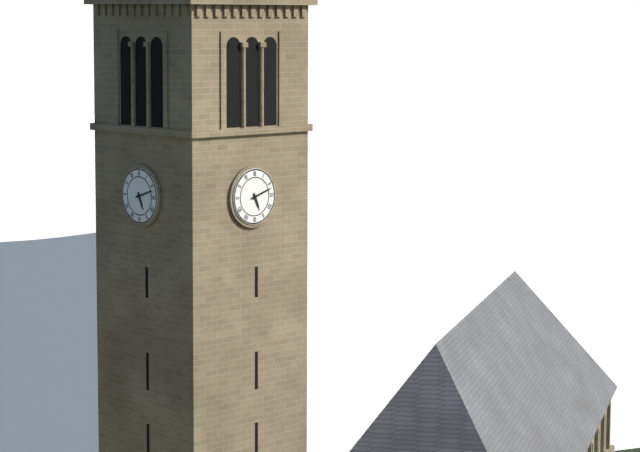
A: 5:12
